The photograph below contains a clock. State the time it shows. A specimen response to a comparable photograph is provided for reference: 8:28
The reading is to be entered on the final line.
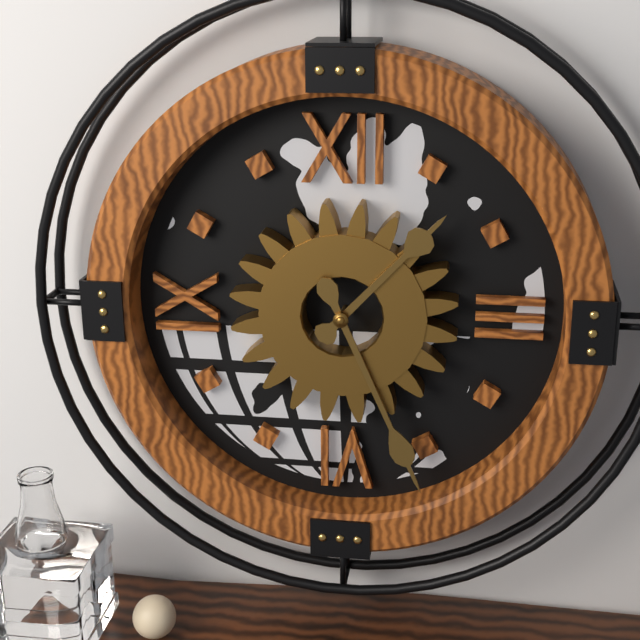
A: 1:26
